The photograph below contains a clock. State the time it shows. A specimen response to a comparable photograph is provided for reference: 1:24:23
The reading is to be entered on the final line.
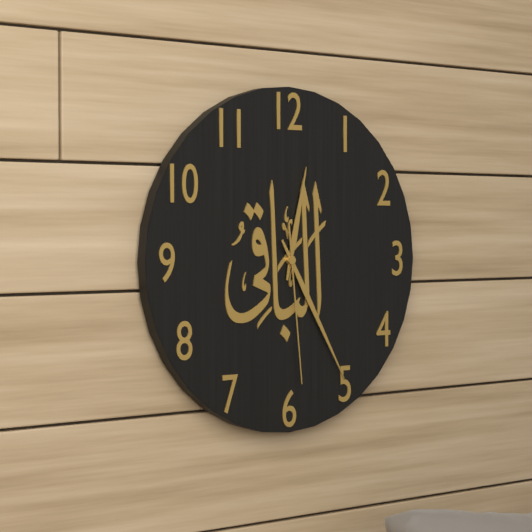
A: 12:25:29
